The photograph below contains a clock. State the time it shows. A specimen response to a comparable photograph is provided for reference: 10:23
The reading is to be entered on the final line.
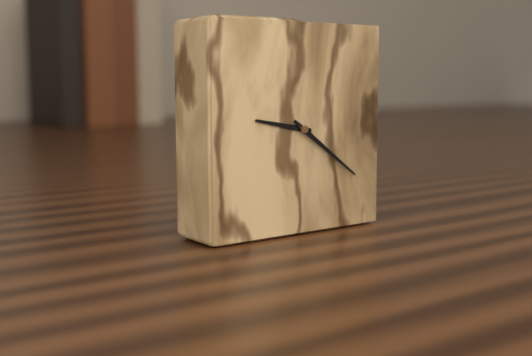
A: 9:21
